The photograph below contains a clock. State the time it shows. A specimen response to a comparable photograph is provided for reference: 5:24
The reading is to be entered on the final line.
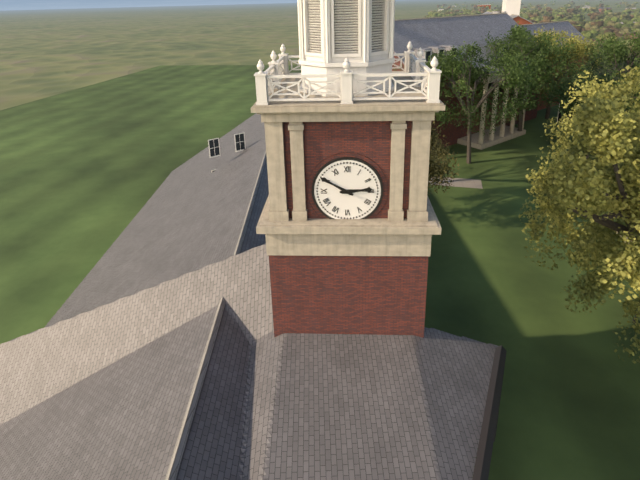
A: 2:50
